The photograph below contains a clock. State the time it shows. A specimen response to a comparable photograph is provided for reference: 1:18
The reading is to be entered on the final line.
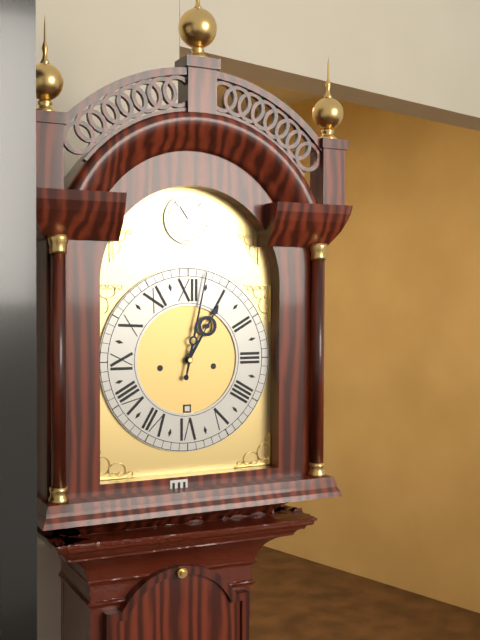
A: 1:02
